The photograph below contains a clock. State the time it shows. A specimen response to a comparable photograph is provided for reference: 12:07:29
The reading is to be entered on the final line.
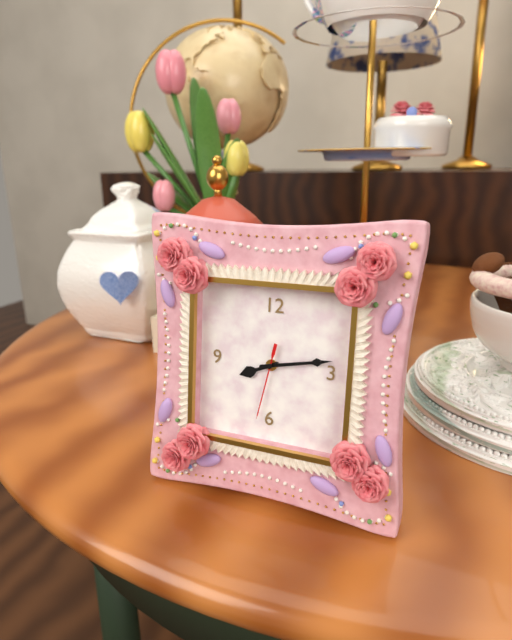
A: 8:13:32
